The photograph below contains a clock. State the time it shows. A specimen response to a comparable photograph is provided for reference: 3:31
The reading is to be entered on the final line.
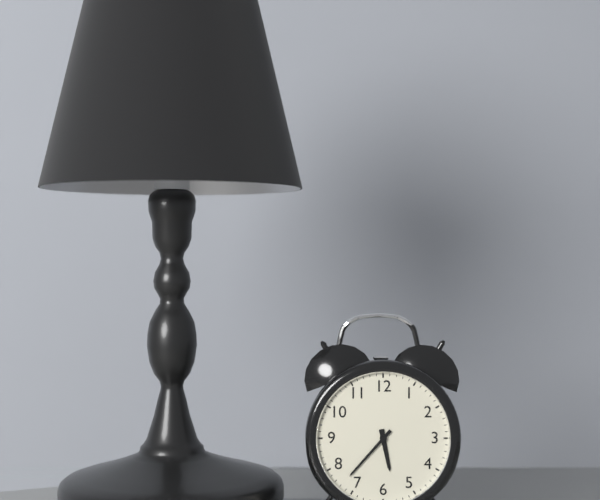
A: 5:37
